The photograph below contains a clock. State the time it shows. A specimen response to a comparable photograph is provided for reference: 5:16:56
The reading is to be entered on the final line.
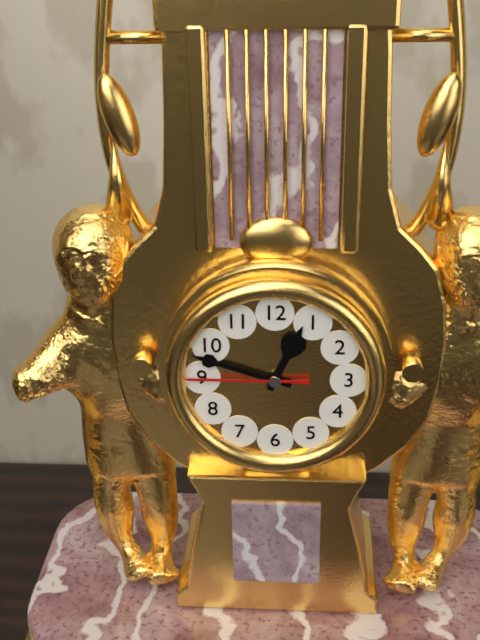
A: 12:48:45
